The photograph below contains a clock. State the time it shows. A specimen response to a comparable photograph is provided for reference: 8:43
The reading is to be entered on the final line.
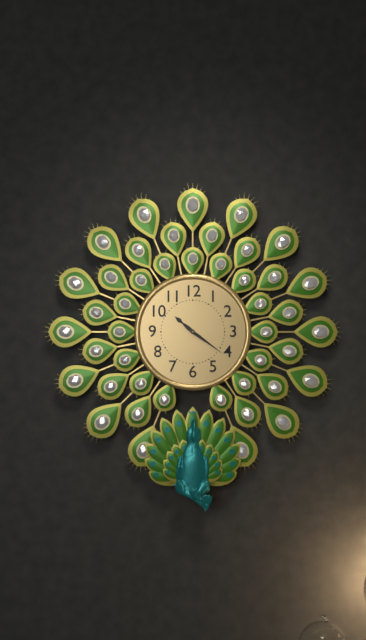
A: 10:21
